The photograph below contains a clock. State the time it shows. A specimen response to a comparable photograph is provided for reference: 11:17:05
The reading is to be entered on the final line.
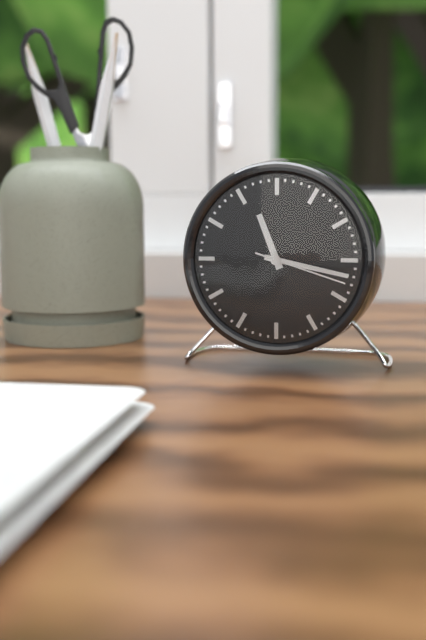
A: 11:17:18
